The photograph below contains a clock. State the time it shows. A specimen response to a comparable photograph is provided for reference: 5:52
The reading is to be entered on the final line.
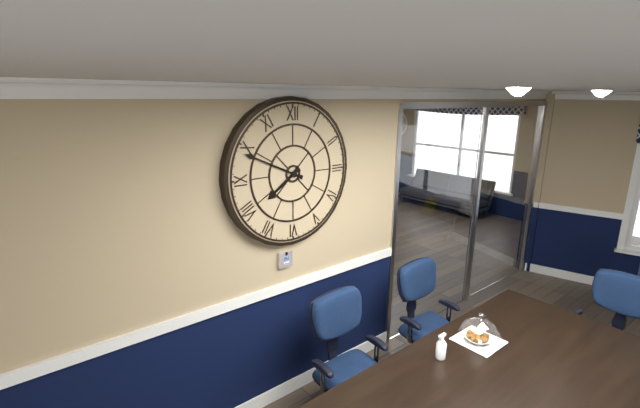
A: 7:49
